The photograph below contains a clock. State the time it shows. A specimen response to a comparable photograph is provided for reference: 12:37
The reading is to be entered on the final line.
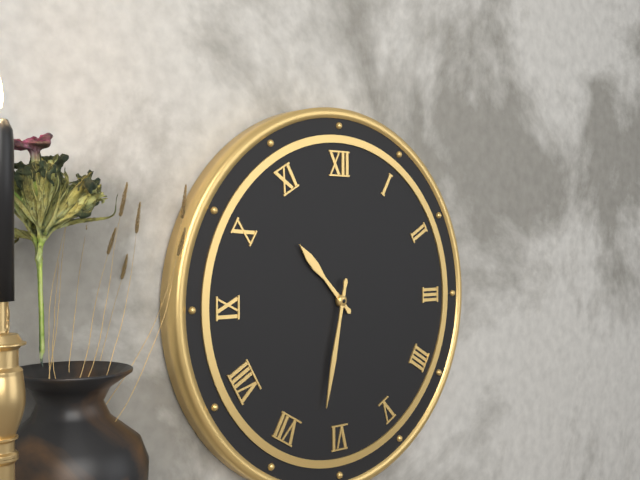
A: 10:32
